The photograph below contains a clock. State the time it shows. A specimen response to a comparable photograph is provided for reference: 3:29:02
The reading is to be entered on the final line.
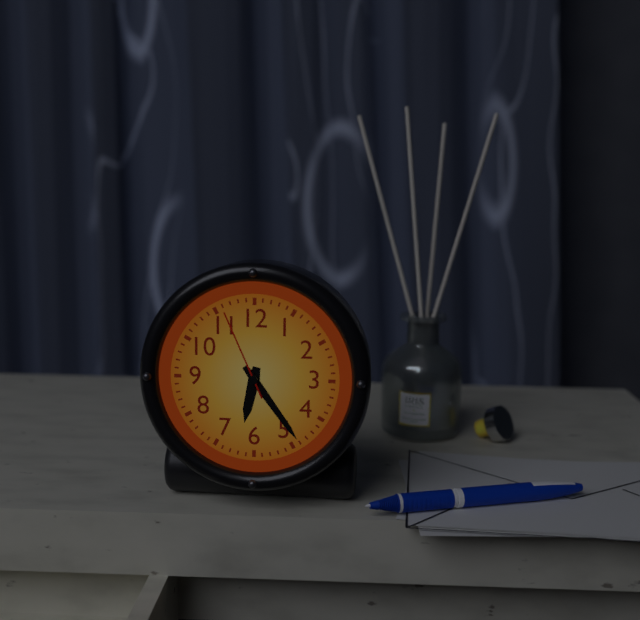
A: 6:24:56
